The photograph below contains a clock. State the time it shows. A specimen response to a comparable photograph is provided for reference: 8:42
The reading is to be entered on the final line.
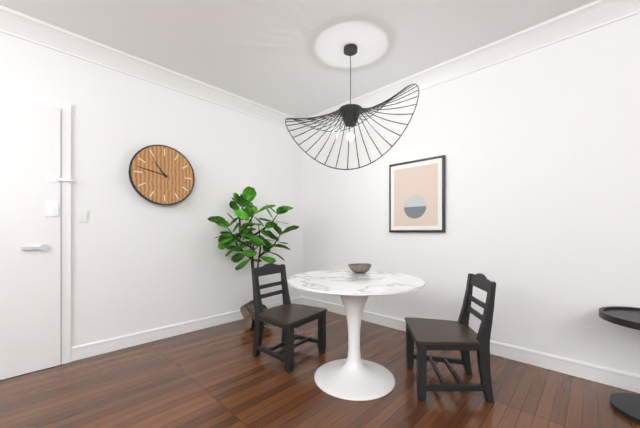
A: 10:47
